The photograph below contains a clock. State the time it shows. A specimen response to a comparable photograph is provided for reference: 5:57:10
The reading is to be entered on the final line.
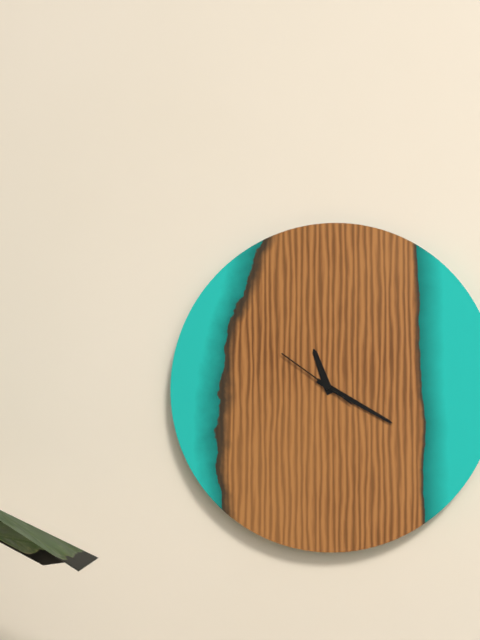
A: 11:20:51
